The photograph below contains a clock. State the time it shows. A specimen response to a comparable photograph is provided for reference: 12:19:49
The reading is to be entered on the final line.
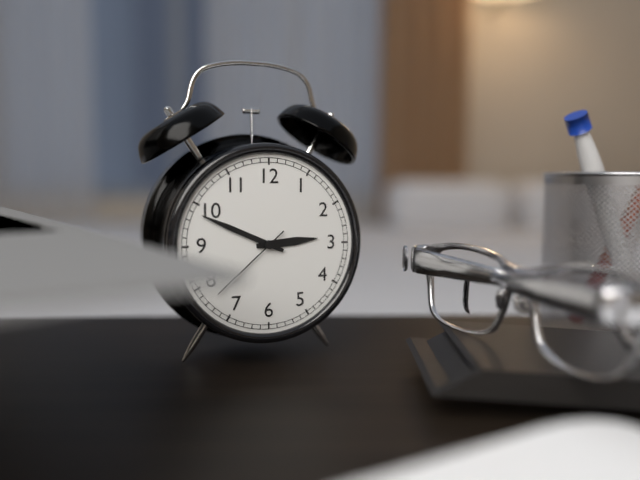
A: 2:49:38
